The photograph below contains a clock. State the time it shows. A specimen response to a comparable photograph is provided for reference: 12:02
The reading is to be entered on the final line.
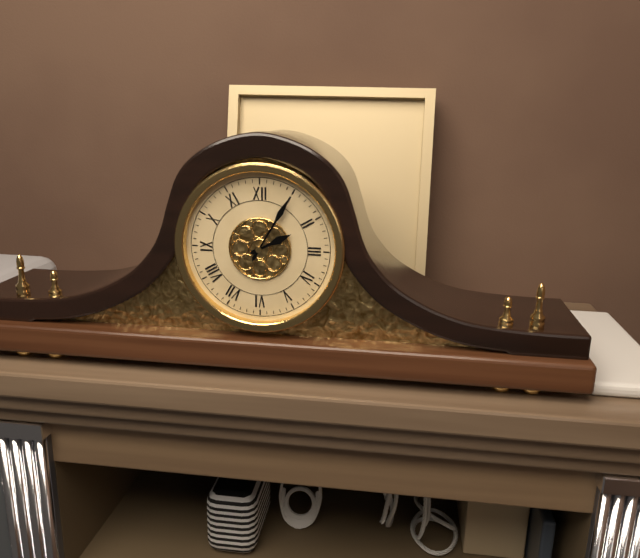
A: 2:05
